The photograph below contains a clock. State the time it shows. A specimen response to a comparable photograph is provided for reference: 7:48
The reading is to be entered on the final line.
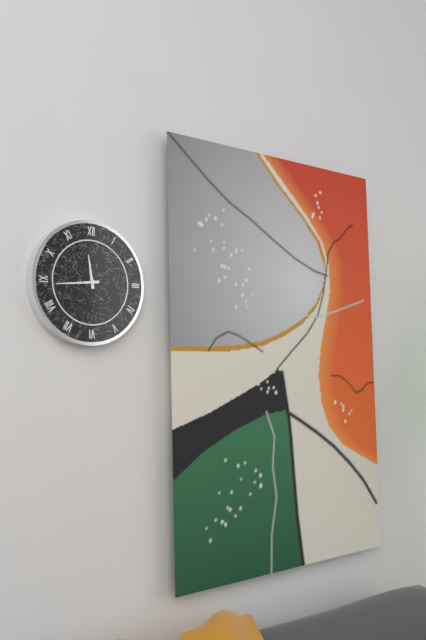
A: 11:44
